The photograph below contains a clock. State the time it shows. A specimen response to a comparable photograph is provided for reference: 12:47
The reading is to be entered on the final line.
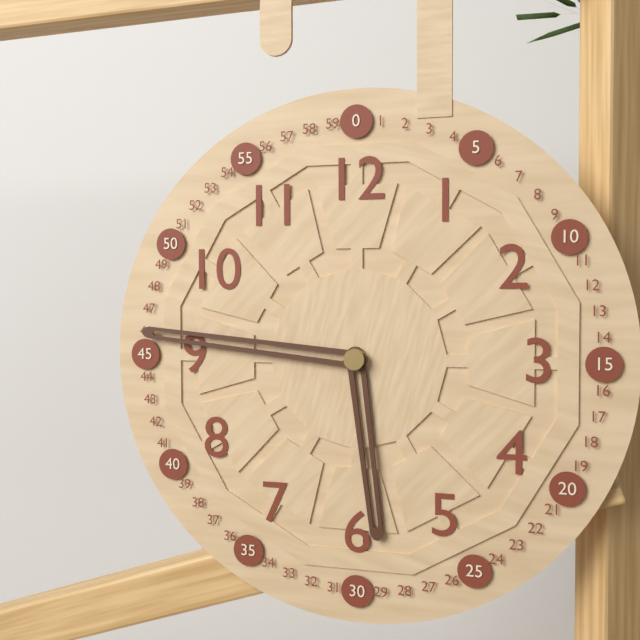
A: 5:46
